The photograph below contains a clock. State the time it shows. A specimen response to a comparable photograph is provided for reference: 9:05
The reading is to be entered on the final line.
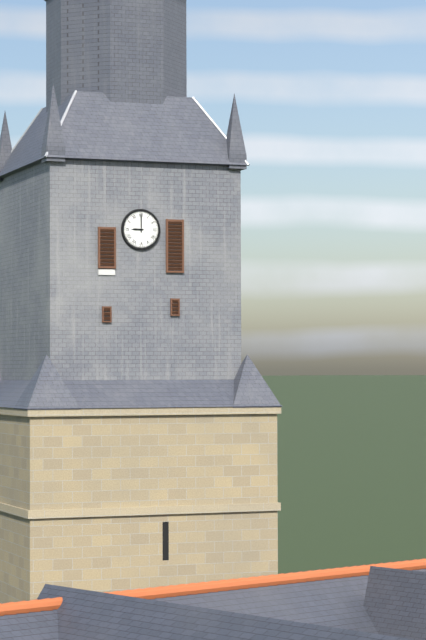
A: 9:00
